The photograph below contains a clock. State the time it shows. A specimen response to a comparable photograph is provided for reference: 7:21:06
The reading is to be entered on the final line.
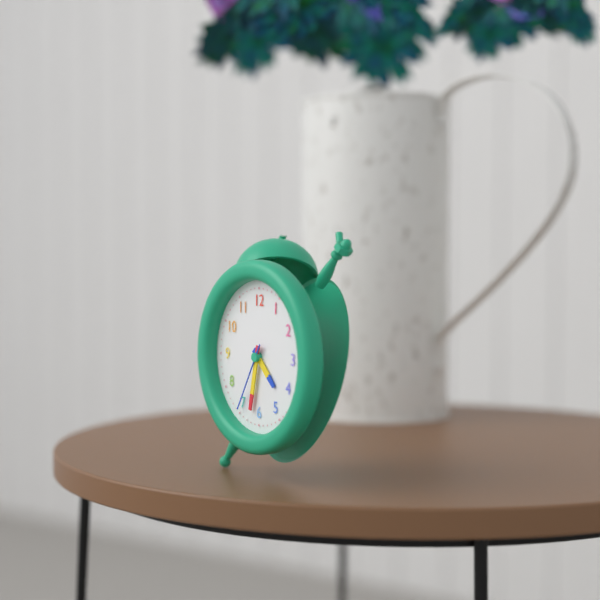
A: 4:32:35
